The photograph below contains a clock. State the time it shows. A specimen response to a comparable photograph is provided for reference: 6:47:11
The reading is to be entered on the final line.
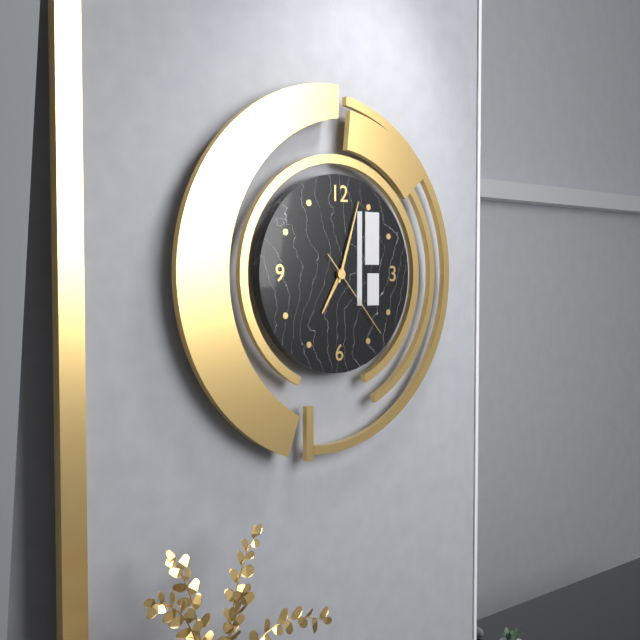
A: 7:03:23
